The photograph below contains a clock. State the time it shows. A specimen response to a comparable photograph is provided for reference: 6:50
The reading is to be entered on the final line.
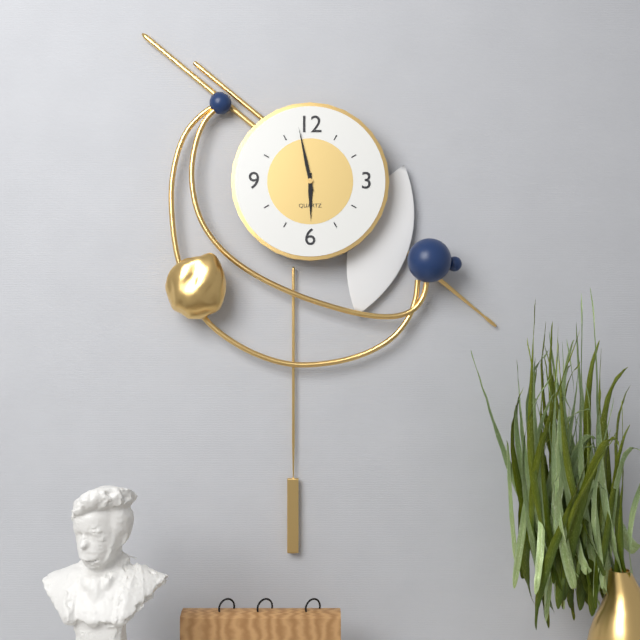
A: 5:58
